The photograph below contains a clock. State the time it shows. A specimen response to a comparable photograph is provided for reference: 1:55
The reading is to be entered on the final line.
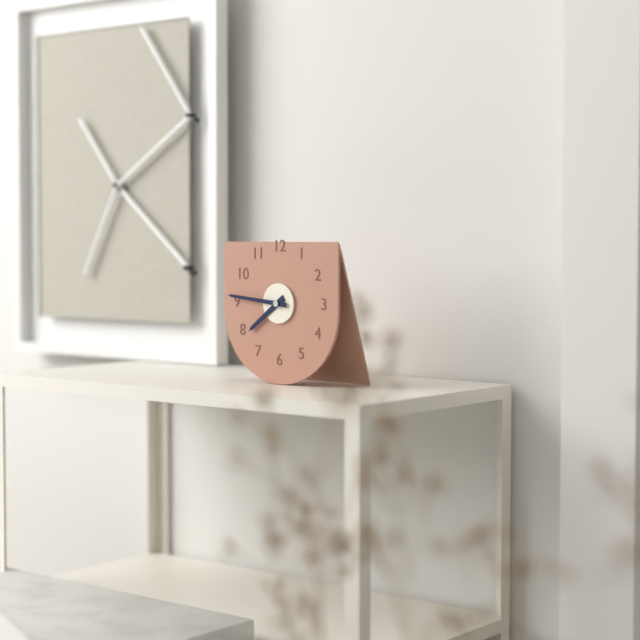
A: 7:46
